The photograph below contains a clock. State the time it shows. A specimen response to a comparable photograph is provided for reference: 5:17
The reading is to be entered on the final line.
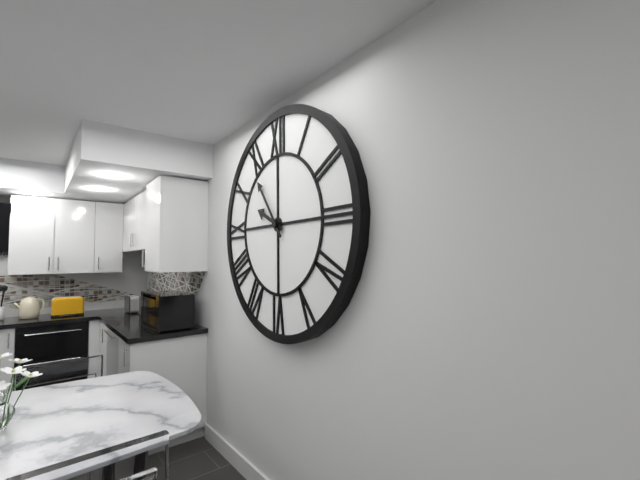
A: 9:54
